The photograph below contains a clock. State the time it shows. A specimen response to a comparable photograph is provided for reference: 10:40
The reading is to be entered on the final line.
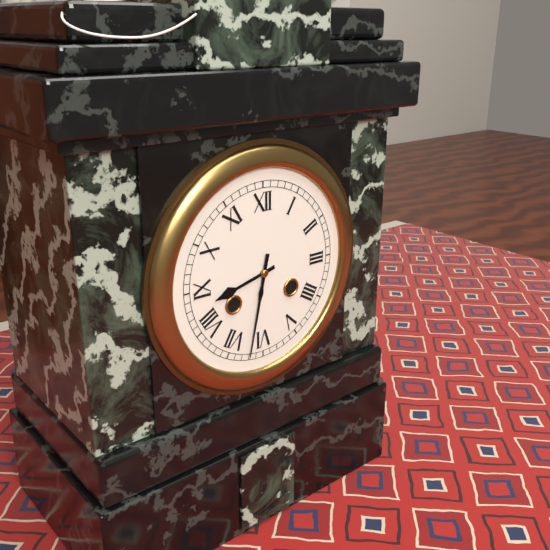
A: 8:32
